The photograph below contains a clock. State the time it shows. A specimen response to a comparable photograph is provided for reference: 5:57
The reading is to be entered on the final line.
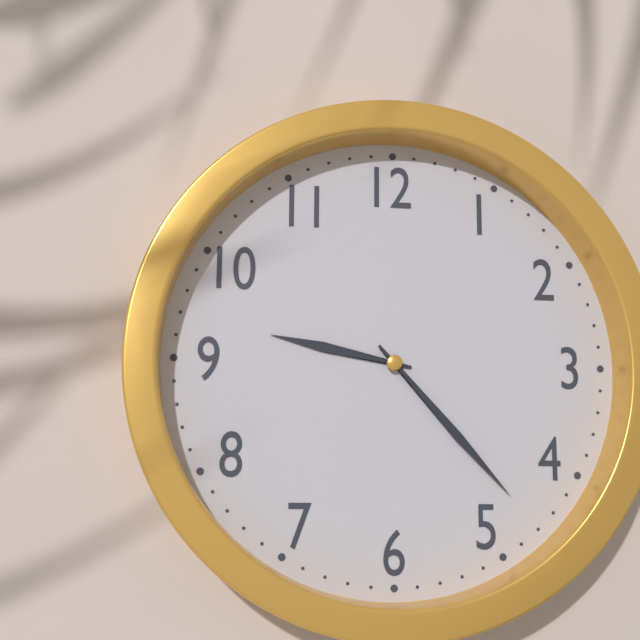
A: 9:23
